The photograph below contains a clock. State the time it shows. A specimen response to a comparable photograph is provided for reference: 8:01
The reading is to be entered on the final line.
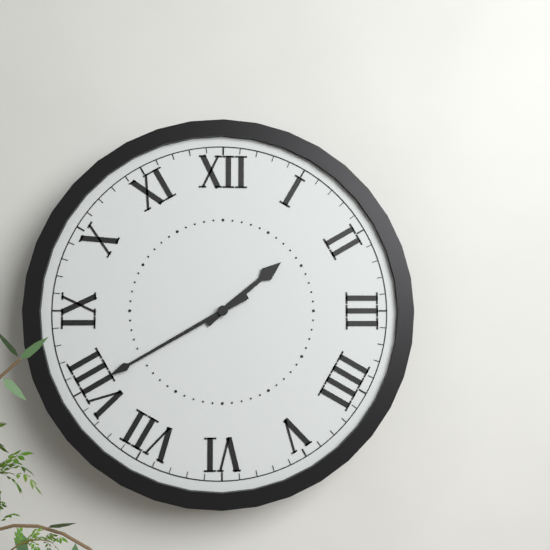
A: 1:40
